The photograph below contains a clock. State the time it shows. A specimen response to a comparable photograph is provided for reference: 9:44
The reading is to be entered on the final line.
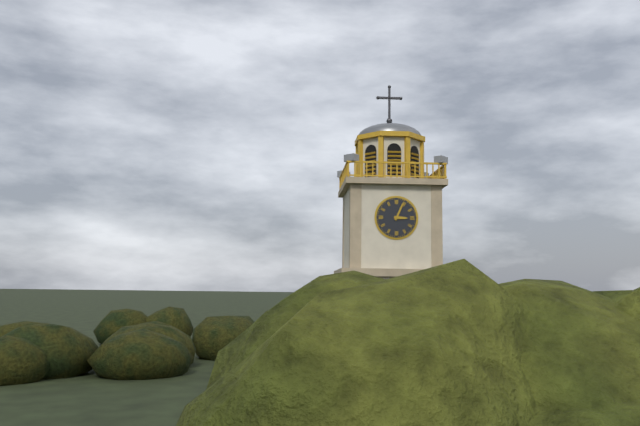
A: 3:04
